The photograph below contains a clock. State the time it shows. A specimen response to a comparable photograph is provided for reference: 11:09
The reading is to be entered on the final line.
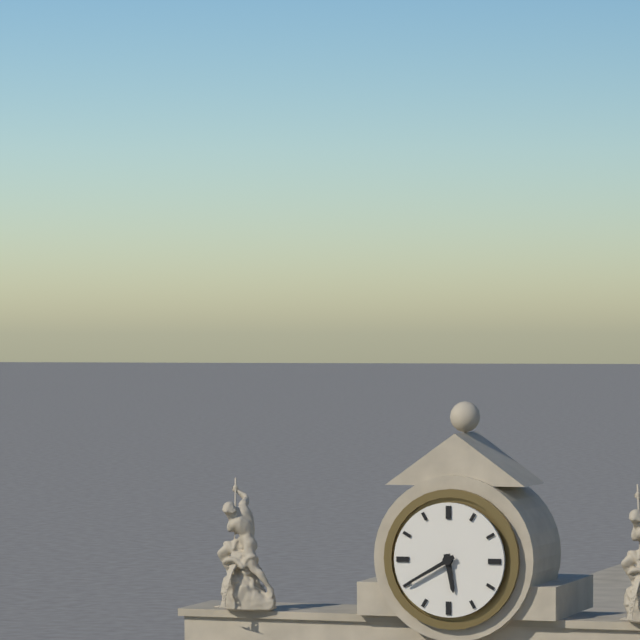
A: 5:40
